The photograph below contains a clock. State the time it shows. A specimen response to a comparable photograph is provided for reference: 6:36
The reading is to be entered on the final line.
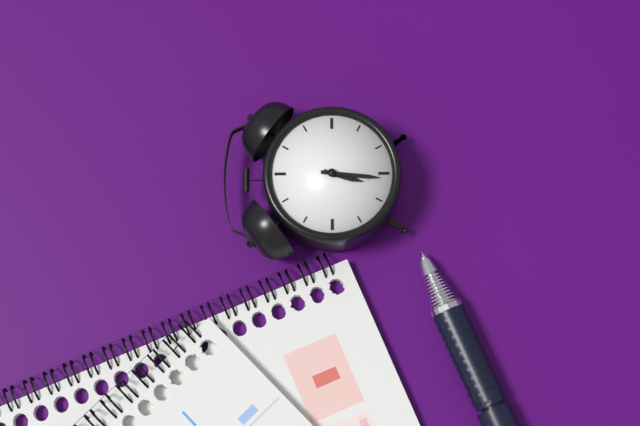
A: 6:31
